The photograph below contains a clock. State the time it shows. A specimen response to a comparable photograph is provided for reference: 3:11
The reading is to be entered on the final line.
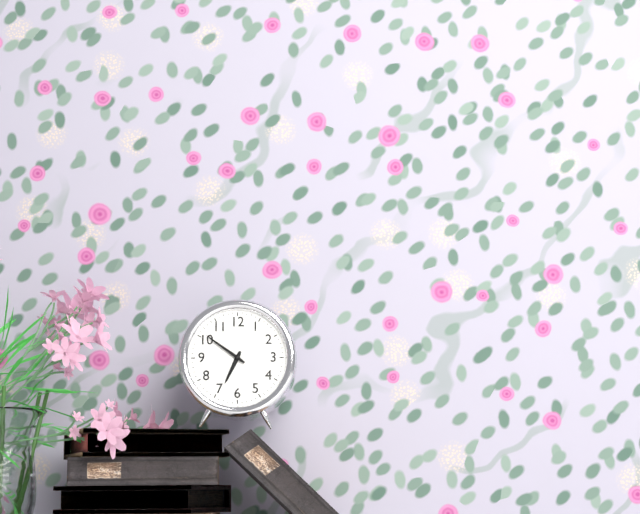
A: 6:51
